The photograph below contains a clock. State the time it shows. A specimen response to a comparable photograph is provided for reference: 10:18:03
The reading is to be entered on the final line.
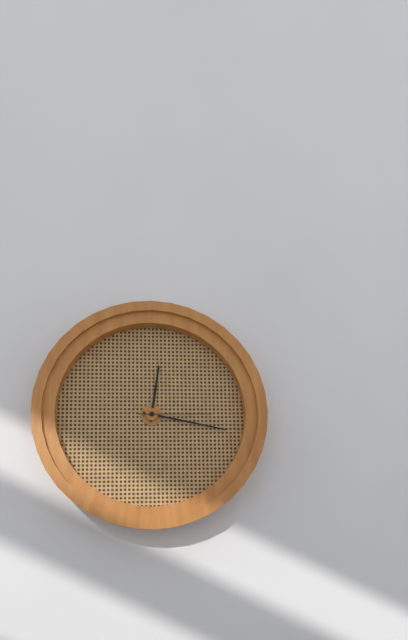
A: 12:17:15
